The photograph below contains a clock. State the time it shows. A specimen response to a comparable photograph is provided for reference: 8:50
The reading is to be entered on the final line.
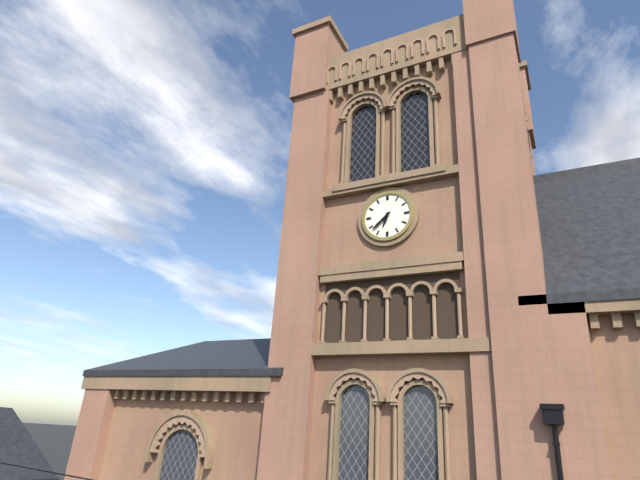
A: 6:38
